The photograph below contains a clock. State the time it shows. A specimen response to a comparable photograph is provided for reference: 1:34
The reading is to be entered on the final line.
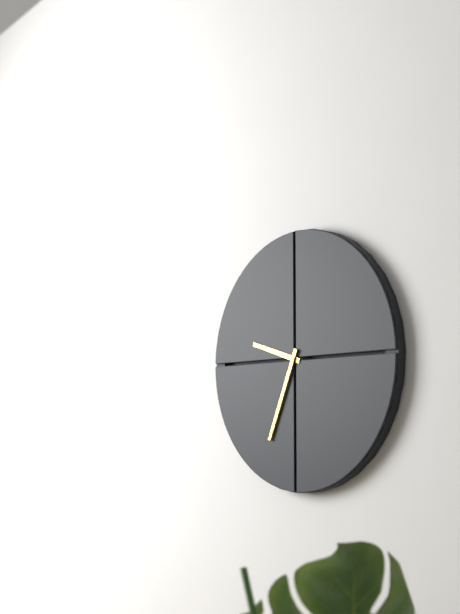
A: 9:34
